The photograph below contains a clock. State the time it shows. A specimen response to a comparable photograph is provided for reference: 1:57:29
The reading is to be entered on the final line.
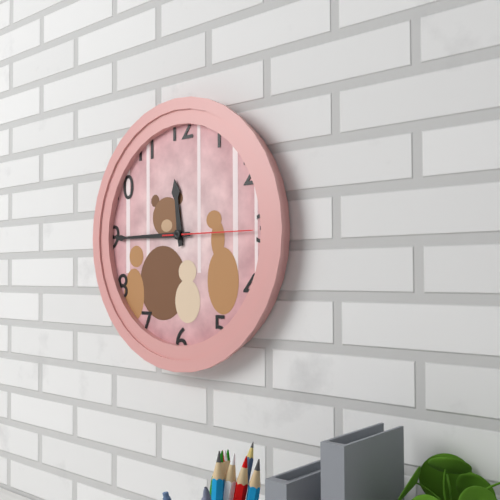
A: 11:45:15
